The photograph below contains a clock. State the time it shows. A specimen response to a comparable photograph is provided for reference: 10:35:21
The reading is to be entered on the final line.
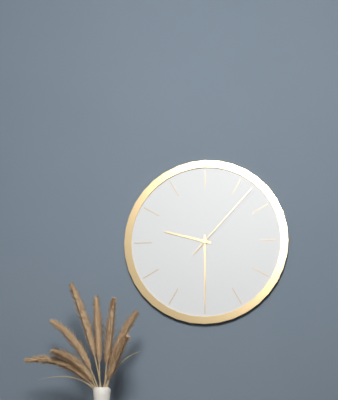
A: 9:30:07
